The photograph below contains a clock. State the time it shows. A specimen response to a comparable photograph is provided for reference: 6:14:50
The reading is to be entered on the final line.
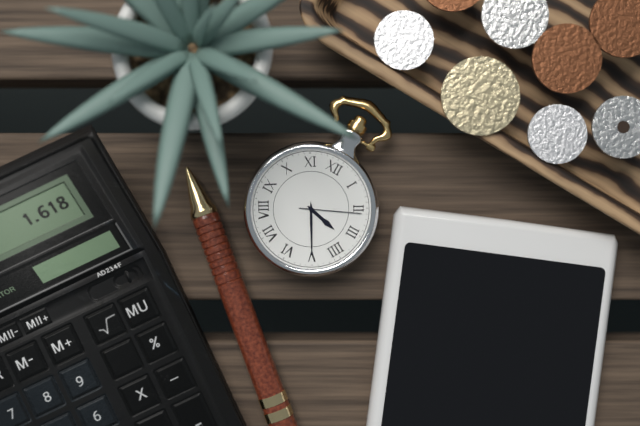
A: 3:25:11
